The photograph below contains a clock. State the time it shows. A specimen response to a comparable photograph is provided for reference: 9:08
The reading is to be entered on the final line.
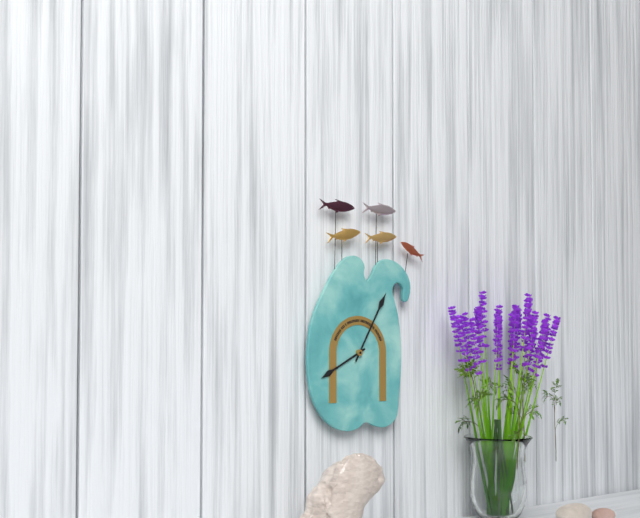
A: 8:05
